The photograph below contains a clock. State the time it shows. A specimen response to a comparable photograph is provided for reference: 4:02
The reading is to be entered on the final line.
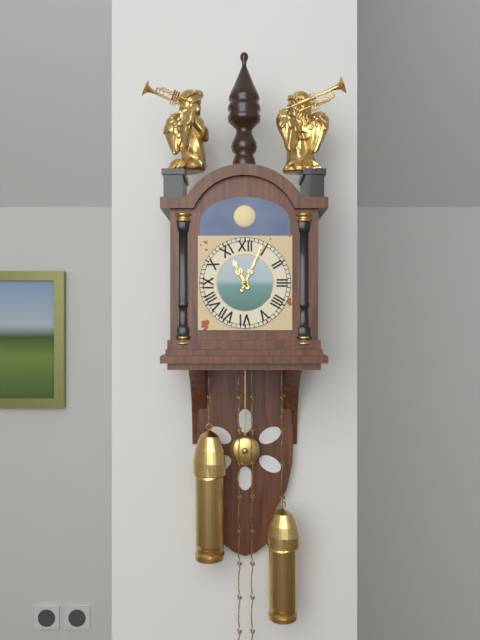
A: 11:04
